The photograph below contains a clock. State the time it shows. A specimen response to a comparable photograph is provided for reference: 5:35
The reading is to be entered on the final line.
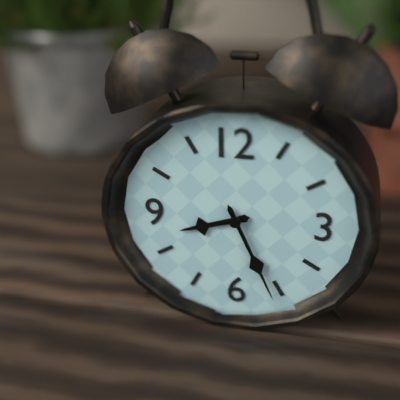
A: 8:26
